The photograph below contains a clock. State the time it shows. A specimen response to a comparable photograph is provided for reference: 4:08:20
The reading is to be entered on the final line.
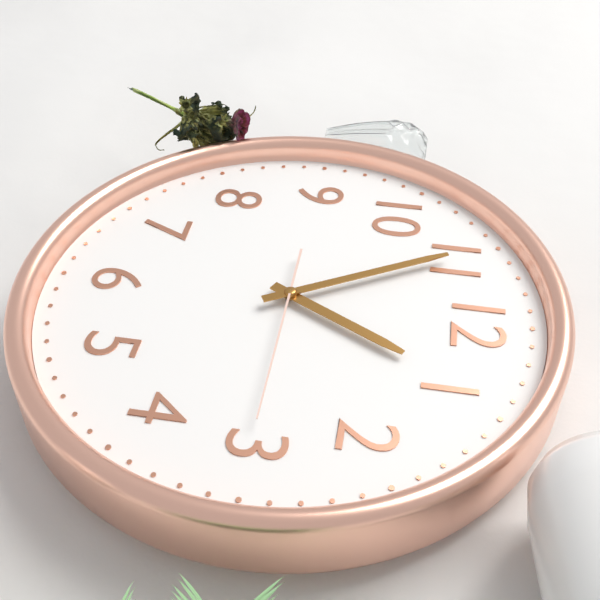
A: 12:55:15
